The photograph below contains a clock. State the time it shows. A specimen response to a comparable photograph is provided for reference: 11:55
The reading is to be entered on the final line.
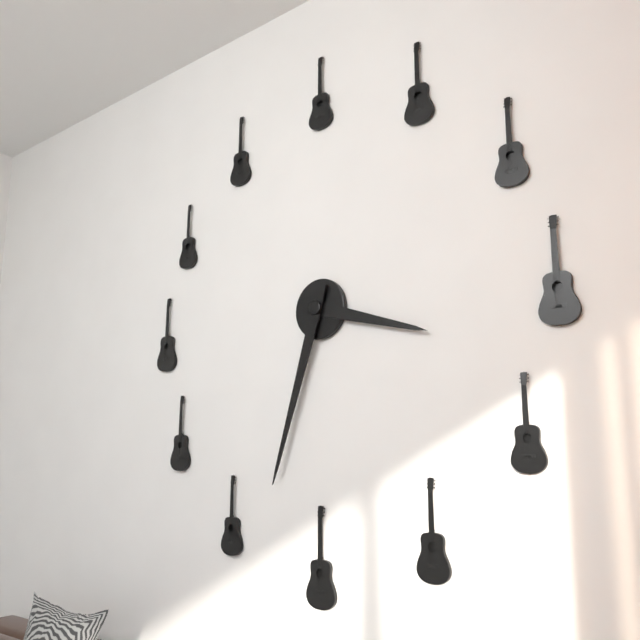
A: 3:33
